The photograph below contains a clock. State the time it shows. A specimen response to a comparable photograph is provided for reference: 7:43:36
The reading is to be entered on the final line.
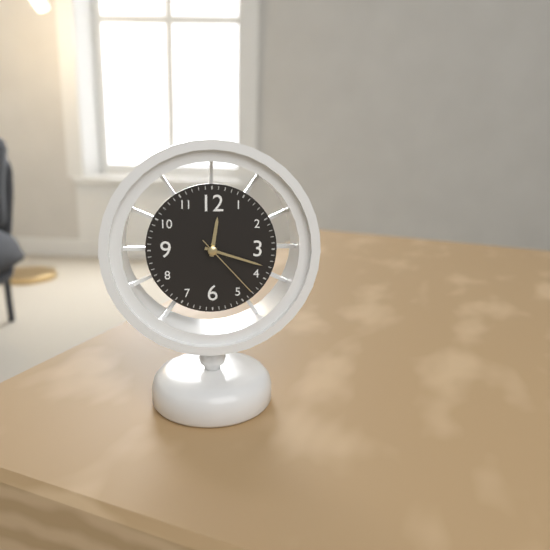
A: 12:18:23
